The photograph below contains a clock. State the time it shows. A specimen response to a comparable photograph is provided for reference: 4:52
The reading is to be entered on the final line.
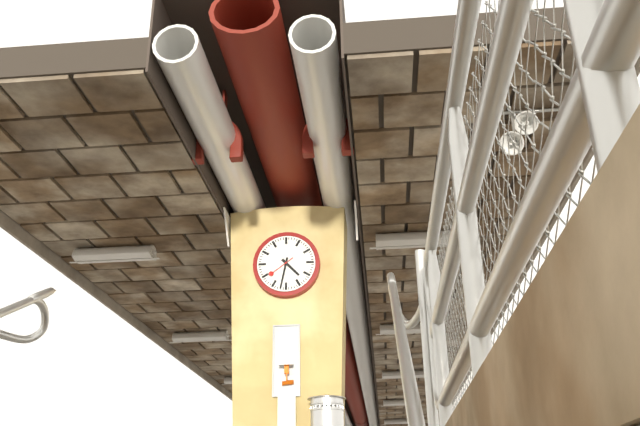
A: 4:32
